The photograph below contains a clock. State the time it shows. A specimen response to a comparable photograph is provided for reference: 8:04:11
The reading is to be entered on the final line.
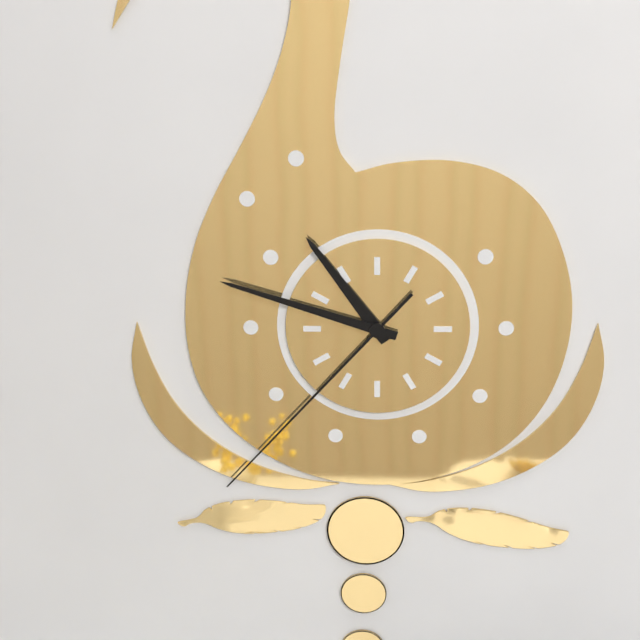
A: 10:48:37
